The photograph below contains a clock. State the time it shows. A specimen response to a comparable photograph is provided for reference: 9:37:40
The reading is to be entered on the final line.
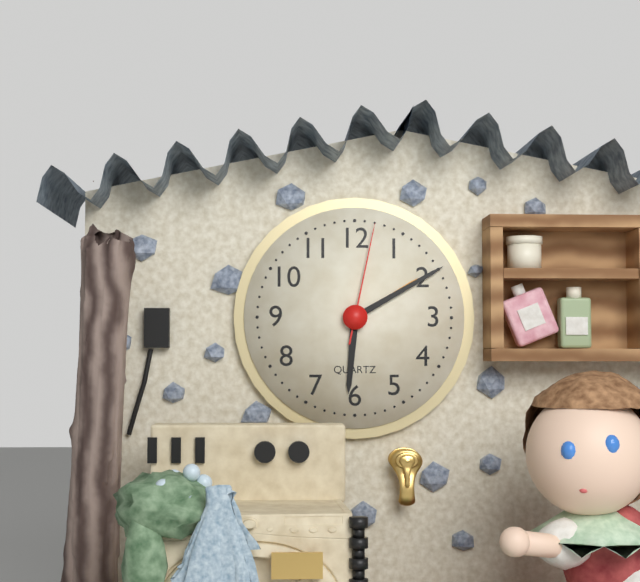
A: 6:10:02
